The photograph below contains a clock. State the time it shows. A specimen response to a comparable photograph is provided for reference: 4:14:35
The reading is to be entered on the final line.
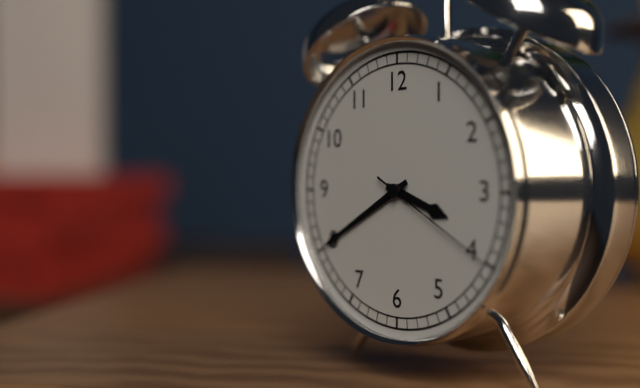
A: 3:40:20
